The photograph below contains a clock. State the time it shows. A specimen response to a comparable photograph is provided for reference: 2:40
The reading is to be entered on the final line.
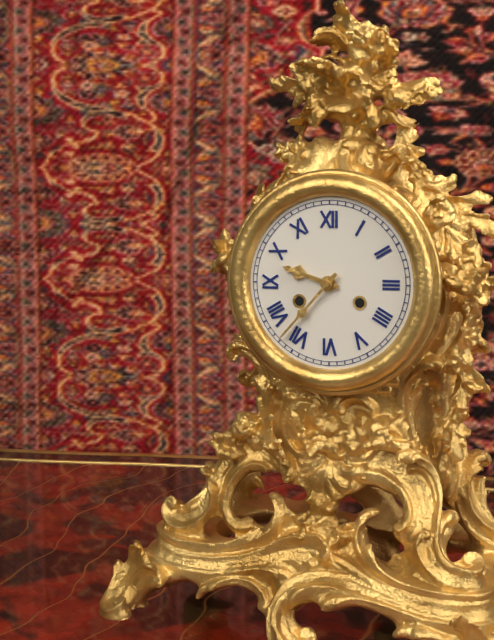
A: 9:37
